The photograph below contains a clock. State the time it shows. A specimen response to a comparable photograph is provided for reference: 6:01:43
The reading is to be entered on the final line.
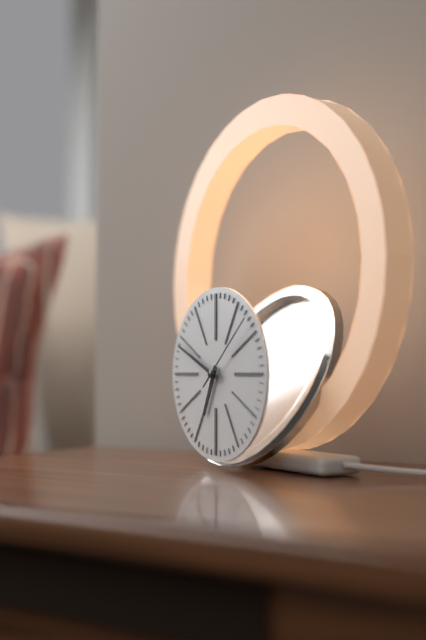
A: 6:49:08
